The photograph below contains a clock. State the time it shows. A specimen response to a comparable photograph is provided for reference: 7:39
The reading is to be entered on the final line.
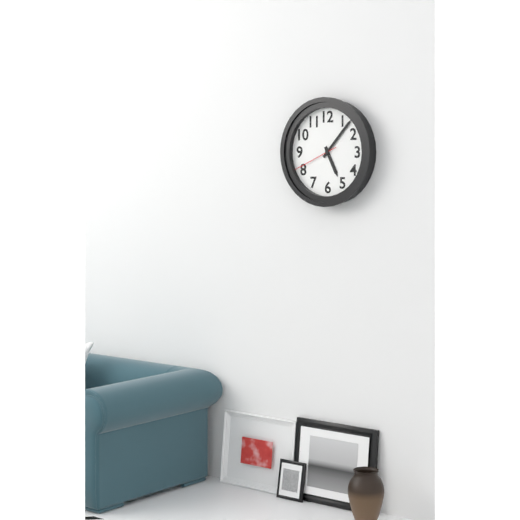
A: 5:07
